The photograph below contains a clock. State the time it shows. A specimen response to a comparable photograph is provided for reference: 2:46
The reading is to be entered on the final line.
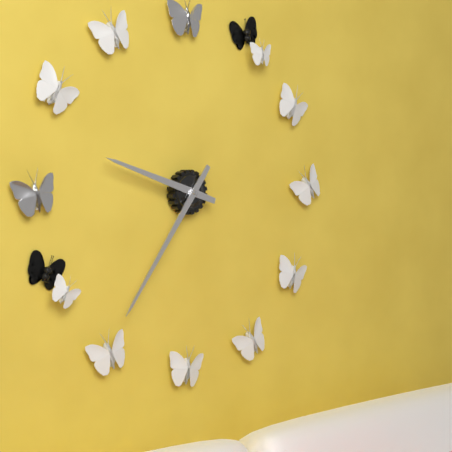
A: 9:36
